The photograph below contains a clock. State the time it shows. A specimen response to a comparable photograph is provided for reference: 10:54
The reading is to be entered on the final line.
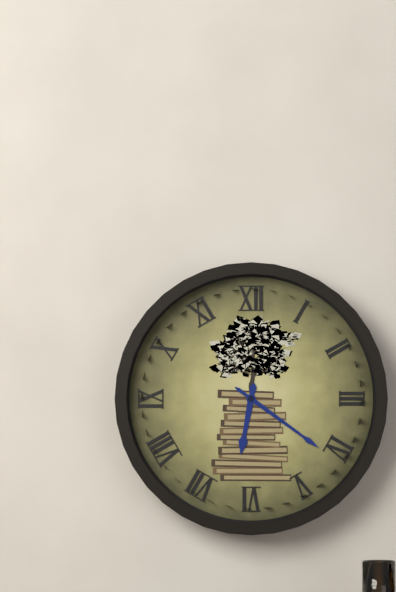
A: 6:21
